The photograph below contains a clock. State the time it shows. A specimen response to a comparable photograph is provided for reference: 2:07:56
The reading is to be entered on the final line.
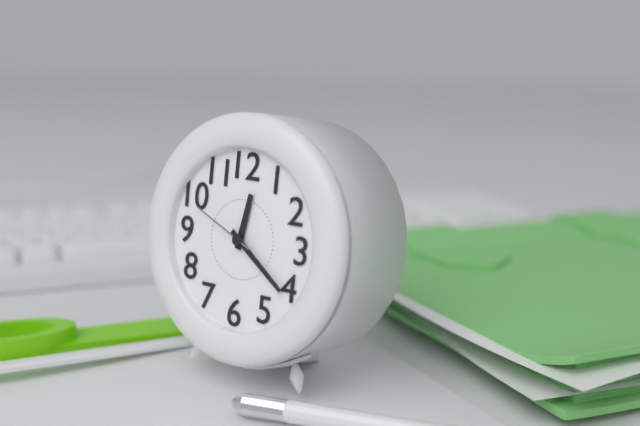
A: 12:21:49
